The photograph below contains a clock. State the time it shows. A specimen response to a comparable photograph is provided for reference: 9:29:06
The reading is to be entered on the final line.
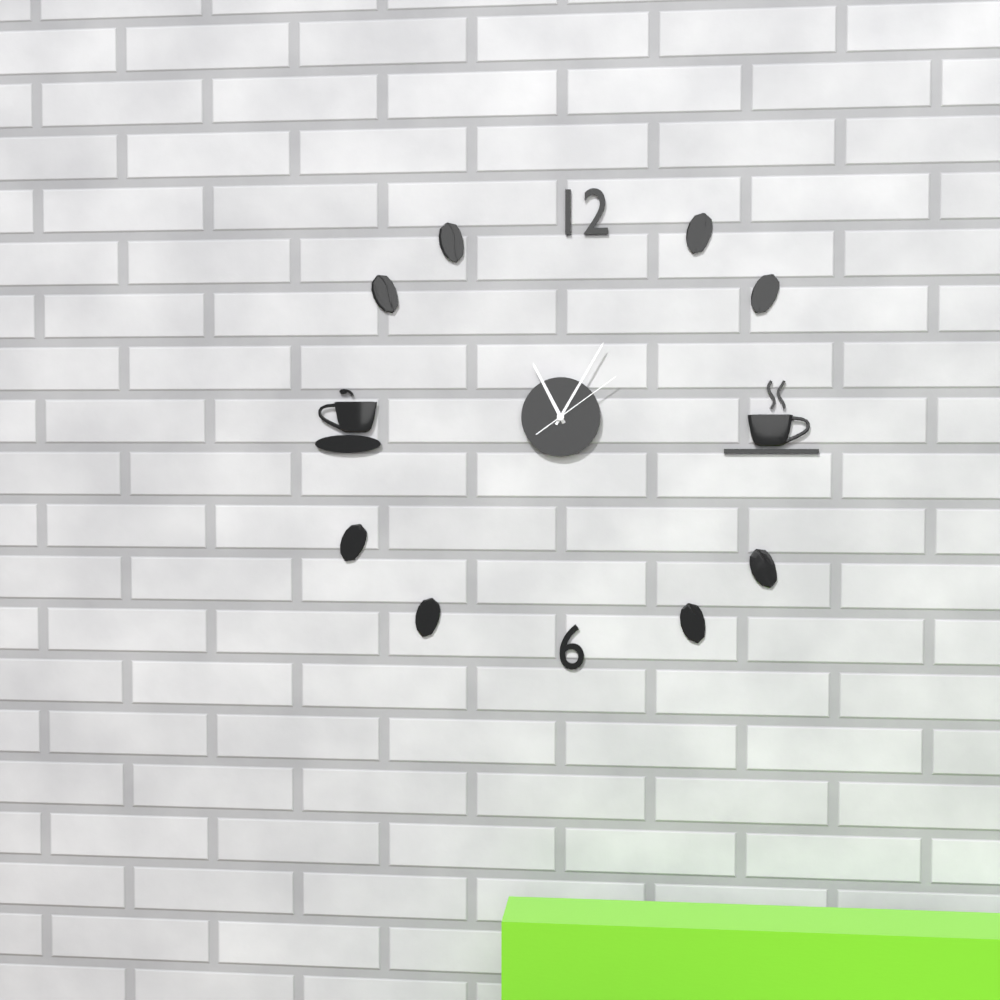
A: 11:05:09
